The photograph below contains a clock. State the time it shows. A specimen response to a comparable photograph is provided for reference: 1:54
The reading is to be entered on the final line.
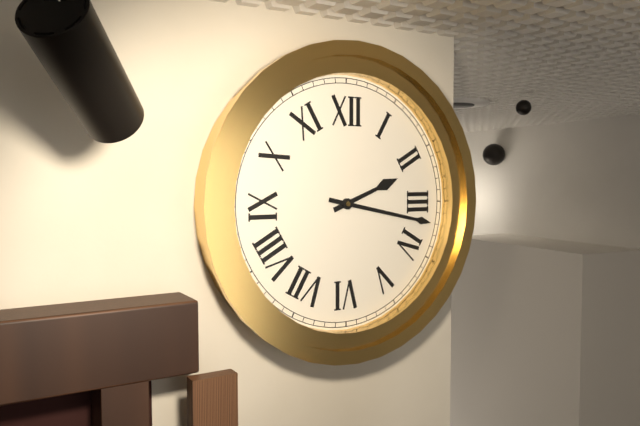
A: 2:17
